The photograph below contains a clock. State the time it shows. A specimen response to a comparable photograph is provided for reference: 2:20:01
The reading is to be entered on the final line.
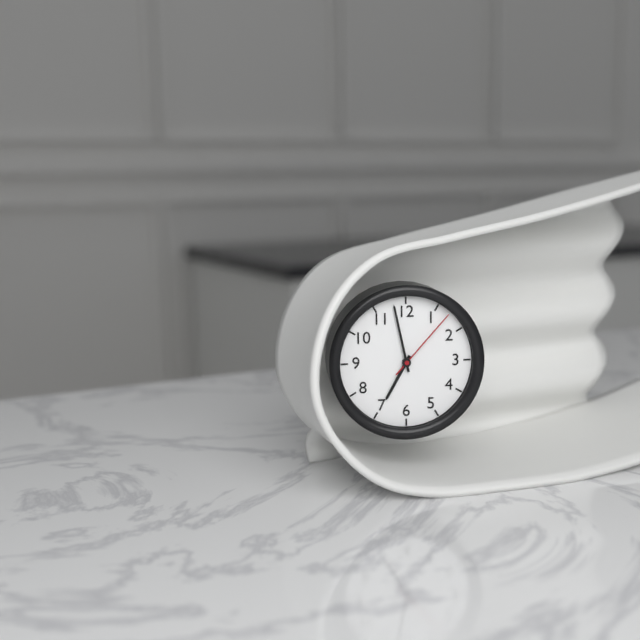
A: 6:58:07
